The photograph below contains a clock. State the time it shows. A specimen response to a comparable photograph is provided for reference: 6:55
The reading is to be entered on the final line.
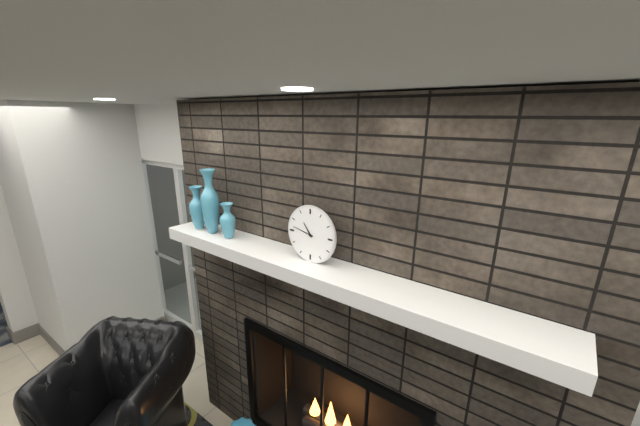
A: 10:47
